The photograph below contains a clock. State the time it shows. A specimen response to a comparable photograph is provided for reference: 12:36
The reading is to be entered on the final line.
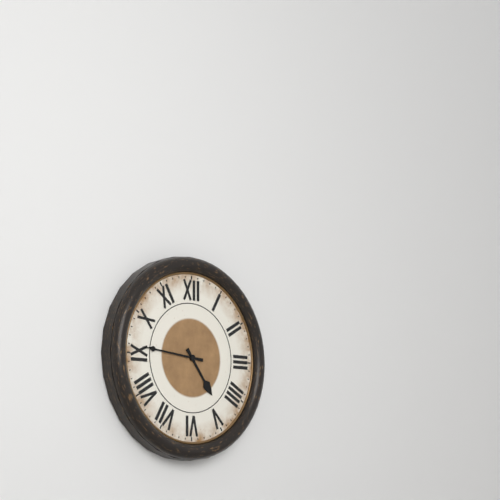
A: 4:46
